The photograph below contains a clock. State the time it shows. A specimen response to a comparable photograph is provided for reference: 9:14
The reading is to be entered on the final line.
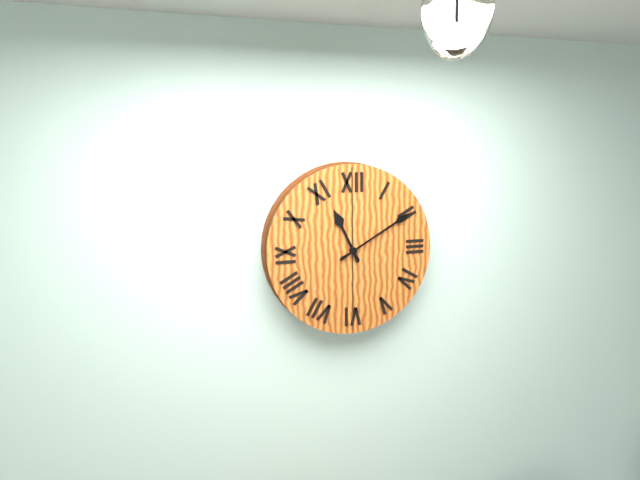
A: 11:10
